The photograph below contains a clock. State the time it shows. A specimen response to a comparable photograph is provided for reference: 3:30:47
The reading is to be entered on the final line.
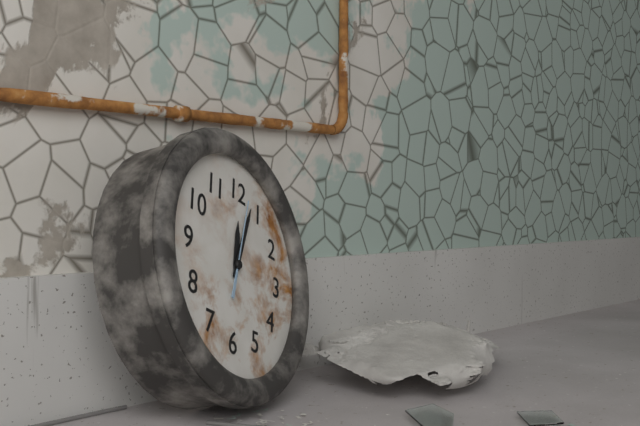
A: 12:03:02
